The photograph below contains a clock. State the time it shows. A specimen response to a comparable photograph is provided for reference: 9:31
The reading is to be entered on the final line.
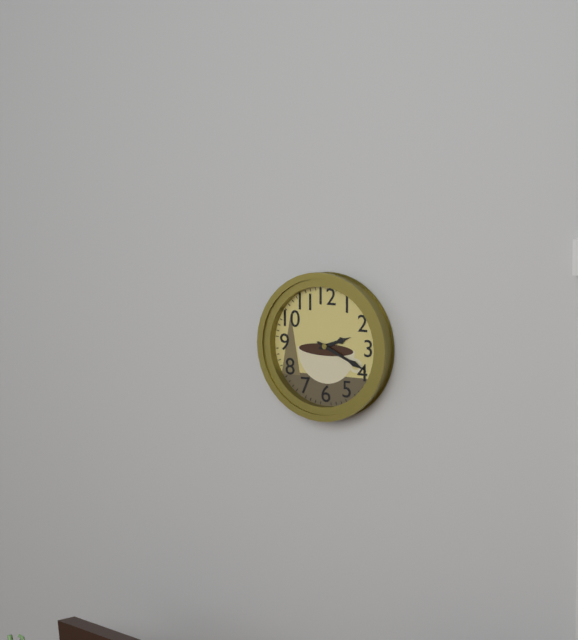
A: 2:19
